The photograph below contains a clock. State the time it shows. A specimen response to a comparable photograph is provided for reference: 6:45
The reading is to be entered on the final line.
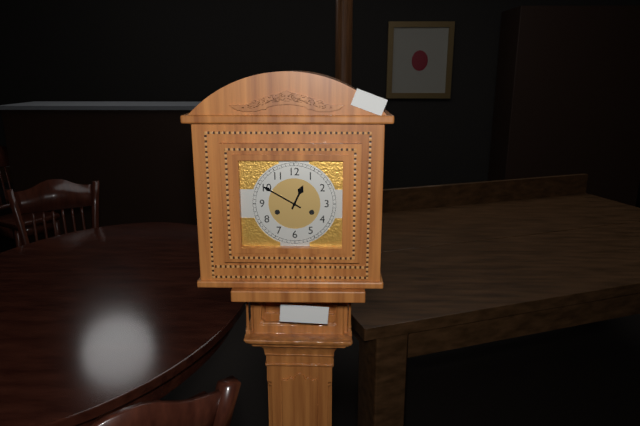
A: 12:50
